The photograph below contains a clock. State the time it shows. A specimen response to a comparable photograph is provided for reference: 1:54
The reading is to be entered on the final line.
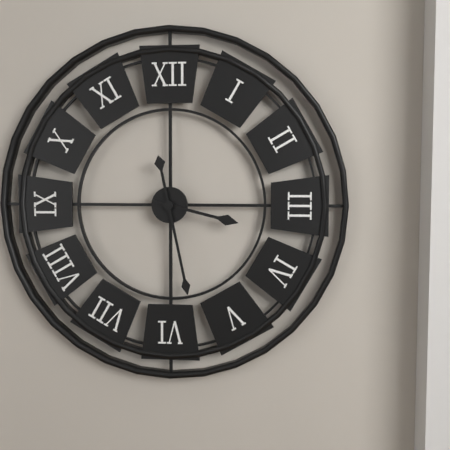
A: 3:28
